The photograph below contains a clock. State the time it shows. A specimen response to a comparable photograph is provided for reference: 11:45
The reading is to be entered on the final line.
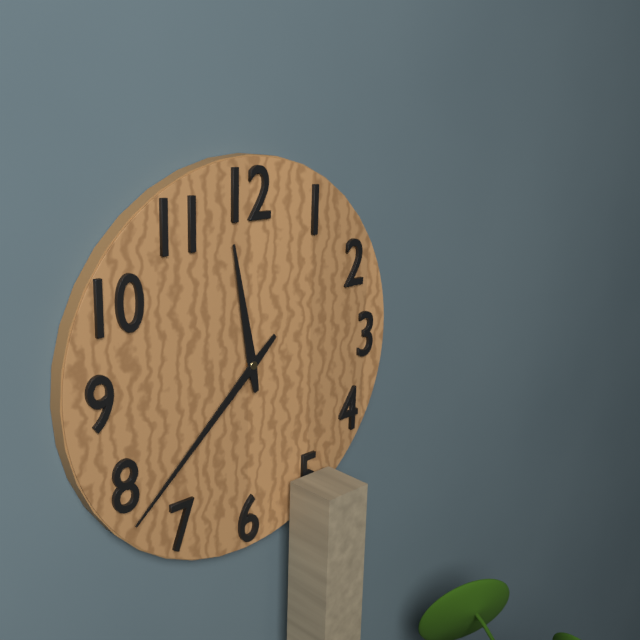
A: 11:38
